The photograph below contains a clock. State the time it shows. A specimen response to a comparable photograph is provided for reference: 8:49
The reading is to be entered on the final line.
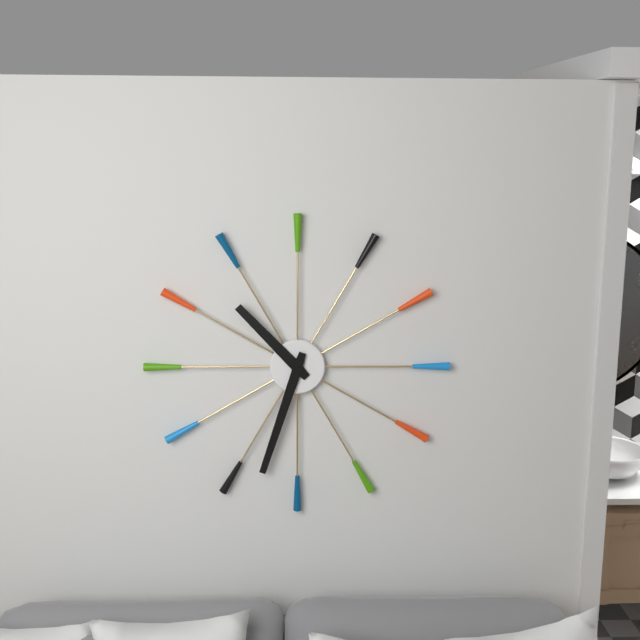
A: 10:33
